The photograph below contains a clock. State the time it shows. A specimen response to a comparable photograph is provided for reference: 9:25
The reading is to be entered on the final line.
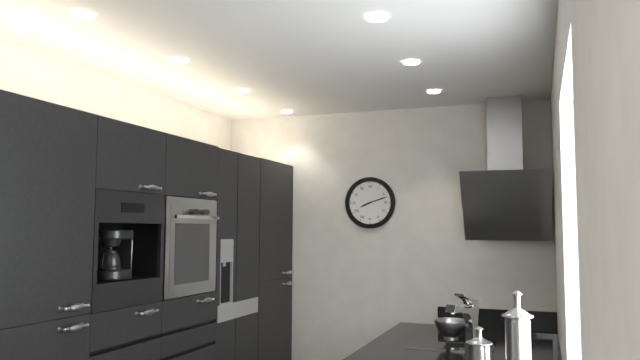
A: 8:12
